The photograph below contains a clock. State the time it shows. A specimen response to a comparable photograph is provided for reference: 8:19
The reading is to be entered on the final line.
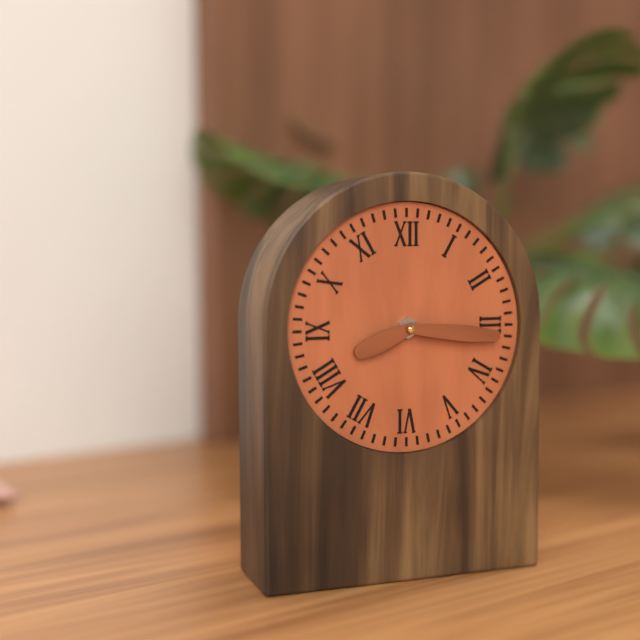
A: 8:16
